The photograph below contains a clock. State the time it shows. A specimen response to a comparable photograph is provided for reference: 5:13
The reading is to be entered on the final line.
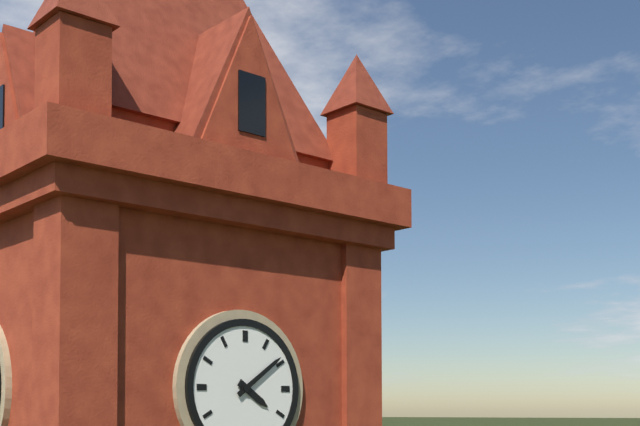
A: 4:09
